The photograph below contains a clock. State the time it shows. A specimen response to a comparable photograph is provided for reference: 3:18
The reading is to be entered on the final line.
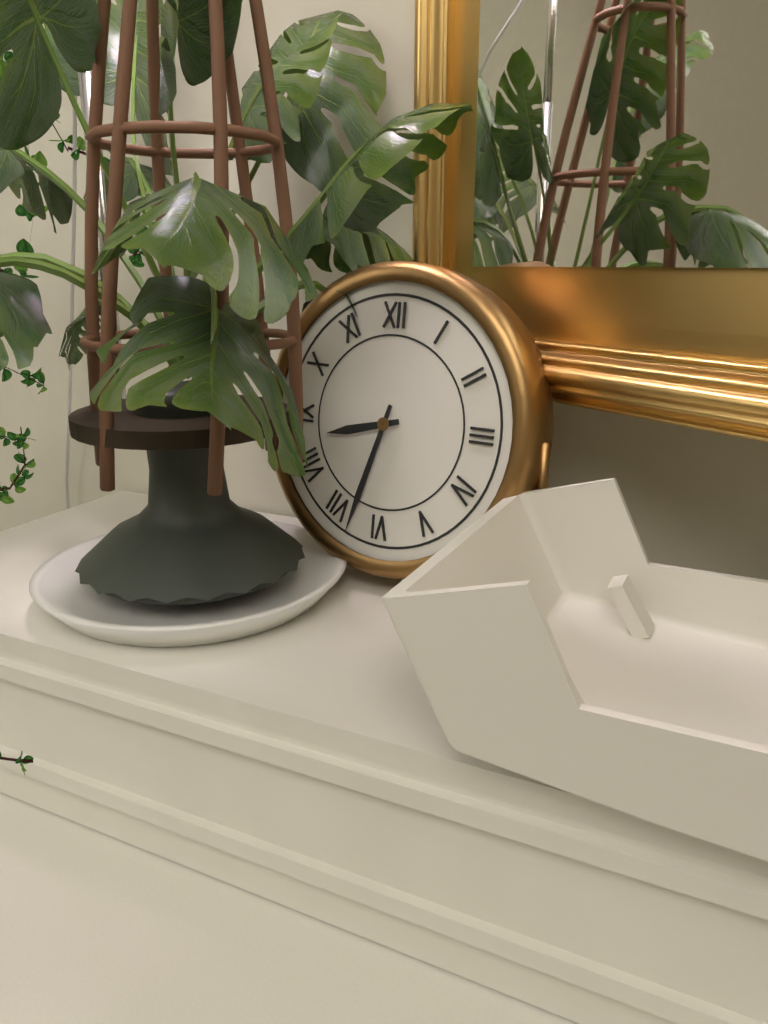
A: 8:33
